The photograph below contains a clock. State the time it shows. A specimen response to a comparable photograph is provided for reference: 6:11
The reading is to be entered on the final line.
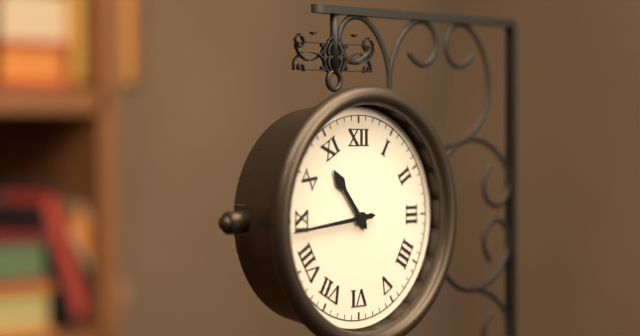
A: 10:44
